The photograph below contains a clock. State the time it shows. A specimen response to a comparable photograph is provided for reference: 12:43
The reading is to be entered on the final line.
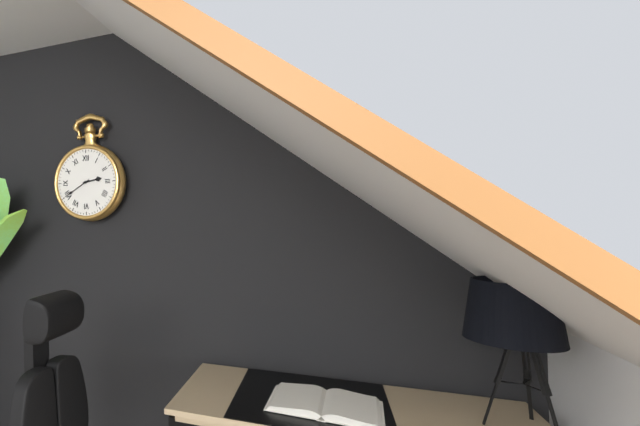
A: 2:40
